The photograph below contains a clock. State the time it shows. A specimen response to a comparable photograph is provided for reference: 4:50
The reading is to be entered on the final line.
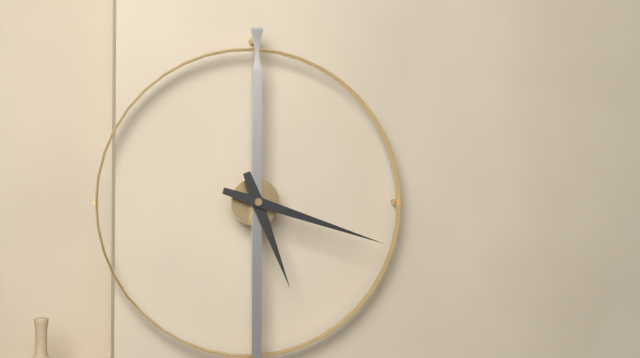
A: 5:18
